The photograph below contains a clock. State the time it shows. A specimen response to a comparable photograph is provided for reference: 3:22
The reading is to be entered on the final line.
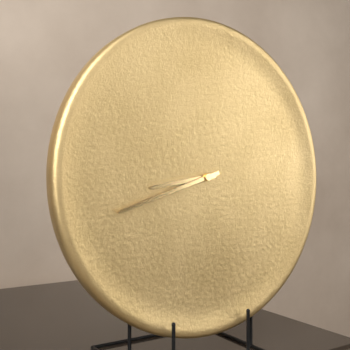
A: 8:42
